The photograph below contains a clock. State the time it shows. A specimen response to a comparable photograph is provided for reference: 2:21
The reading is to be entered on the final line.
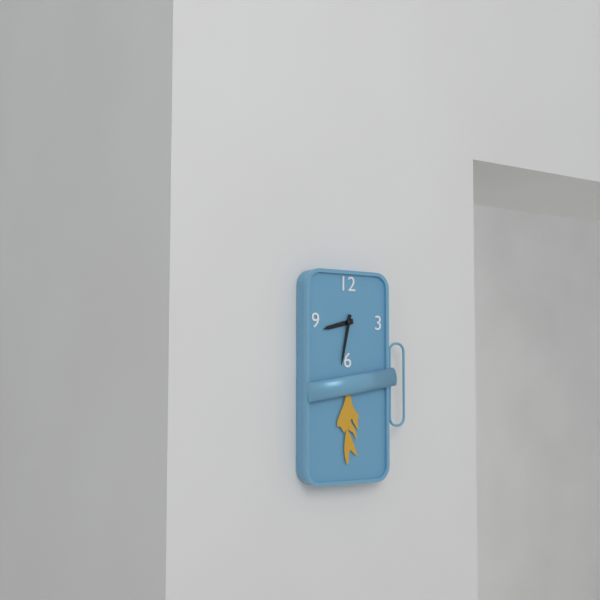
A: 8:32
